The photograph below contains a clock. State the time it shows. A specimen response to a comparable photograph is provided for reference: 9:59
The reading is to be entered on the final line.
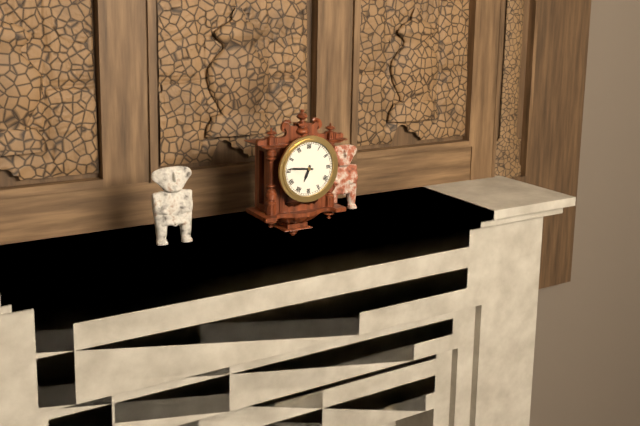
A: 6:46
